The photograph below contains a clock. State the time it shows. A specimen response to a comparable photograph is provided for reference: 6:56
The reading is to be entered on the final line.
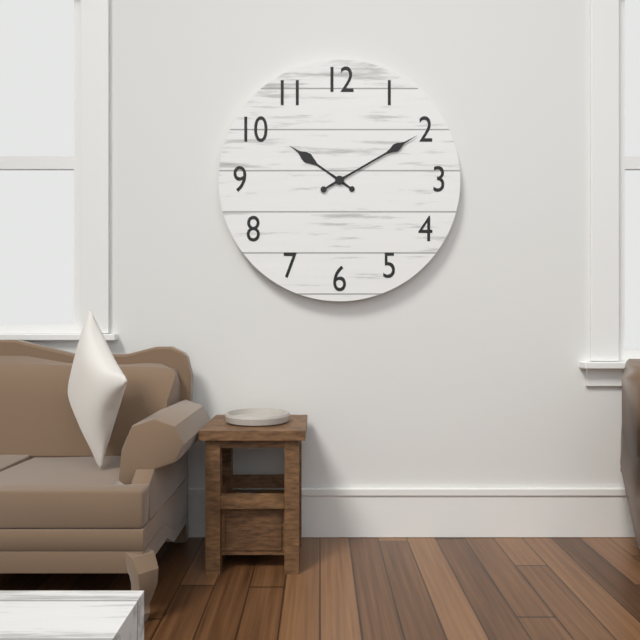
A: 10:10
